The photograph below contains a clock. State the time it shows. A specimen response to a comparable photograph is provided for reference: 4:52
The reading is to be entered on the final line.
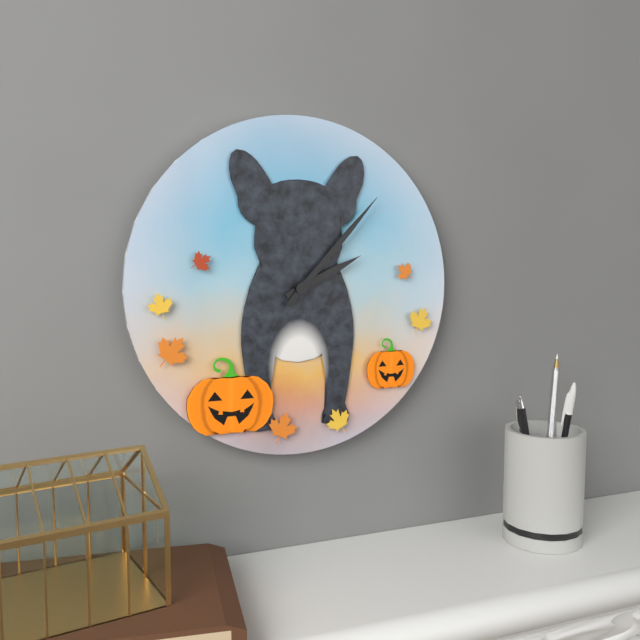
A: 2:07
